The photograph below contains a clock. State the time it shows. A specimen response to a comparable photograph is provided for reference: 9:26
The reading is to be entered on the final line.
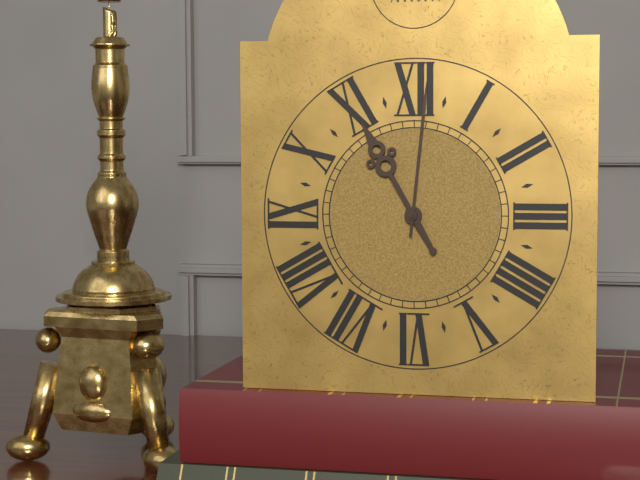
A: 11:01
